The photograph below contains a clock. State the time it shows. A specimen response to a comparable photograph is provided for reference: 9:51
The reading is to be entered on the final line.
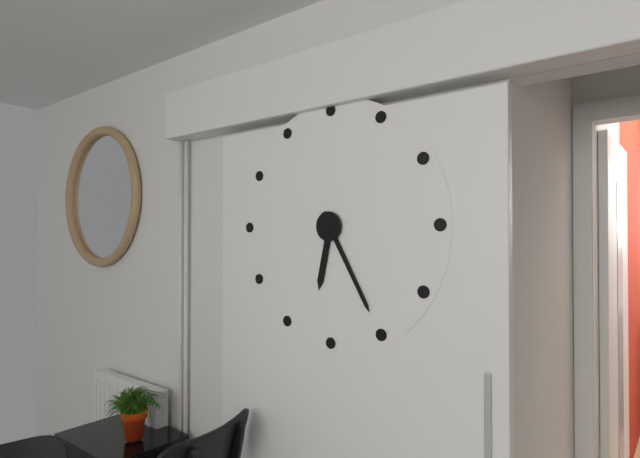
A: 6:25
